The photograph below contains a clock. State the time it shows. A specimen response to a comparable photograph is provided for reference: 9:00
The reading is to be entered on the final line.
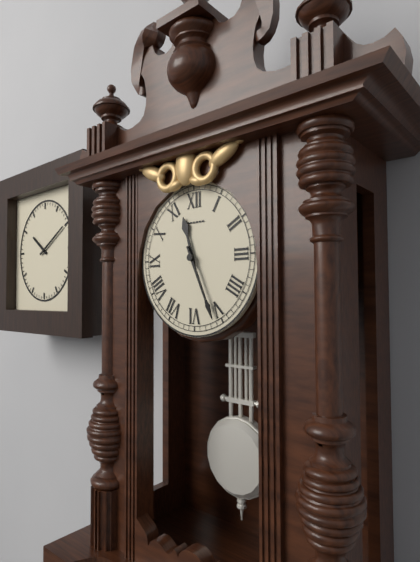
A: 11:26
